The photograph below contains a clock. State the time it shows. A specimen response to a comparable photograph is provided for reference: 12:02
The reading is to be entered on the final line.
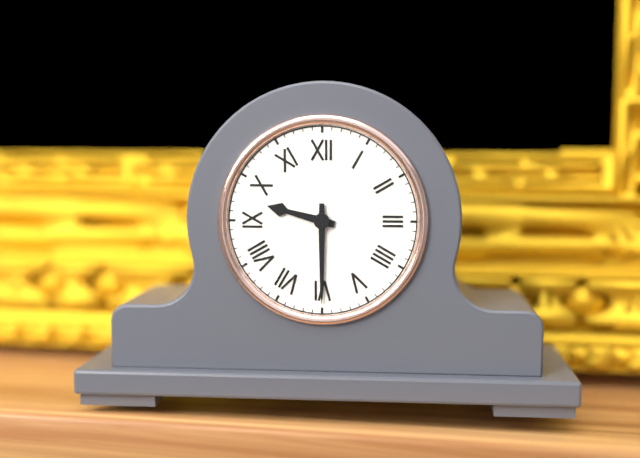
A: 9:30
